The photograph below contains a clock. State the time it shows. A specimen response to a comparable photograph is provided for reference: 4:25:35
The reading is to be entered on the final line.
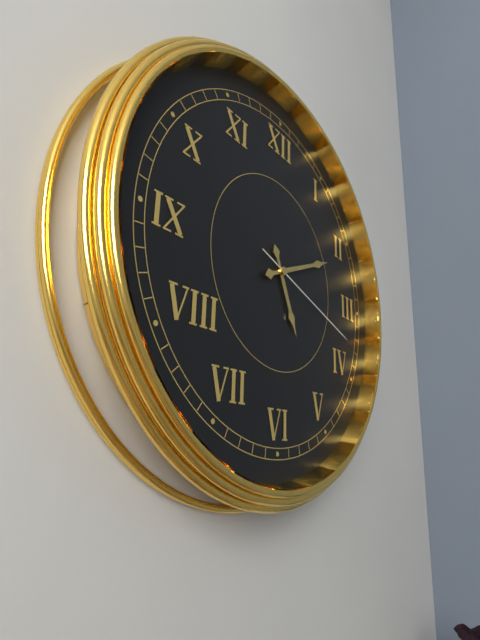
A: 5:11:18
